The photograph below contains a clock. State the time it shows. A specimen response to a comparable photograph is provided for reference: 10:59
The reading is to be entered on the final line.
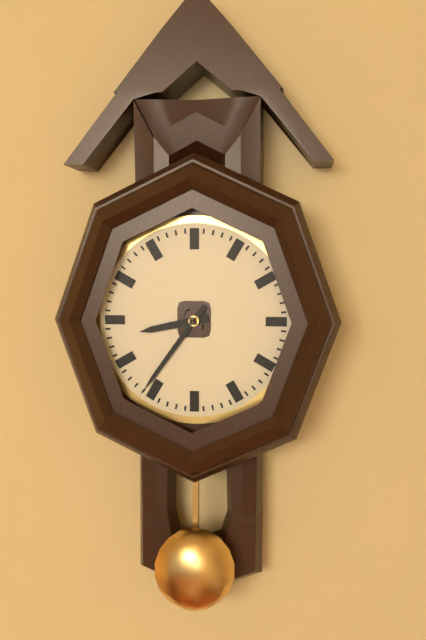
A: 8:36
